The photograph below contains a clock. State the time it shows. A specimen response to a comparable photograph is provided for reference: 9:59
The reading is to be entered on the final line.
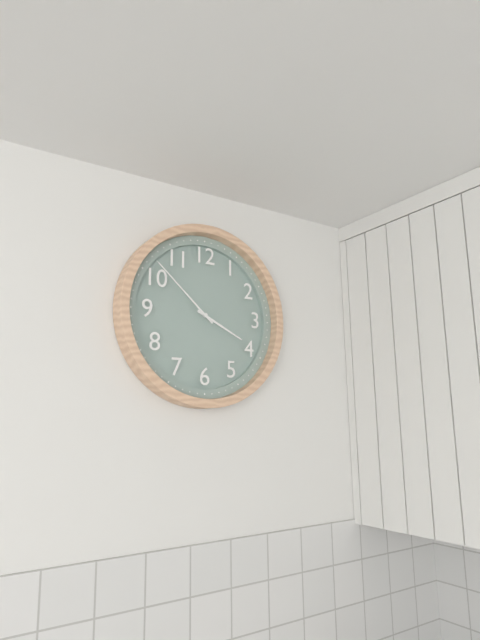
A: 3:52
